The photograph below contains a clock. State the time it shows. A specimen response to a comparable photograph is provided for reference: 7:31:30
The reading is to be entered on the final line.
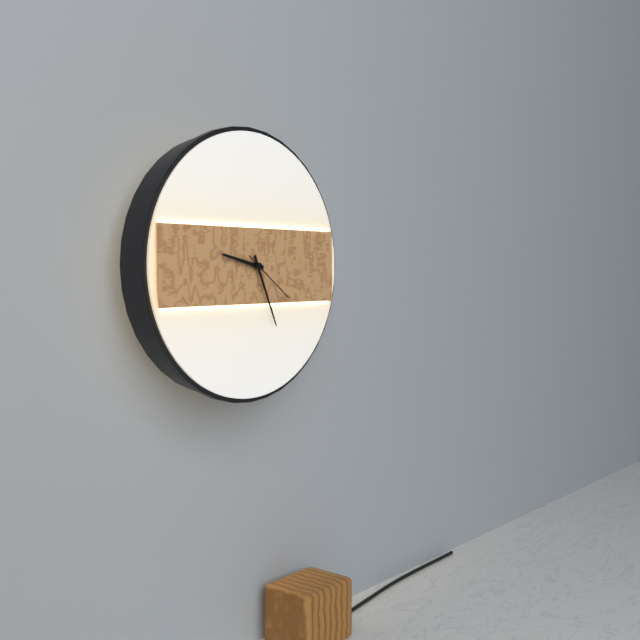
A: 9:26:21
